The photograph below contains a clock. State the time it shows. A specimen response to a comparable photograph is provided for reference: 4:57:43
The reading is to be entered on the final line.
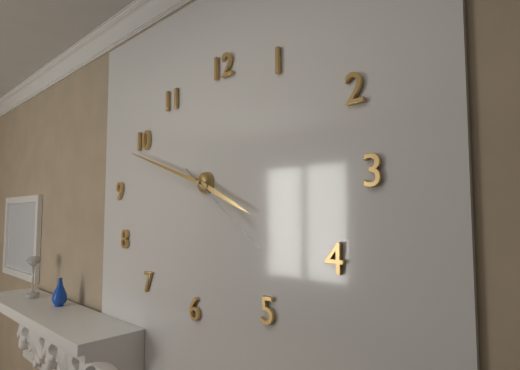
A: 3:48:21
